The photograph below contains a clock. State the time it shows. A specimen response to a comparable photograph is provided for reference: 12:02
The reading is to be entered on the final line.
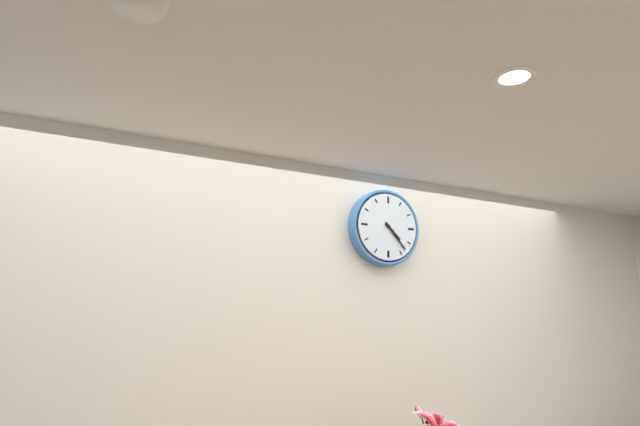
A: 4:23
